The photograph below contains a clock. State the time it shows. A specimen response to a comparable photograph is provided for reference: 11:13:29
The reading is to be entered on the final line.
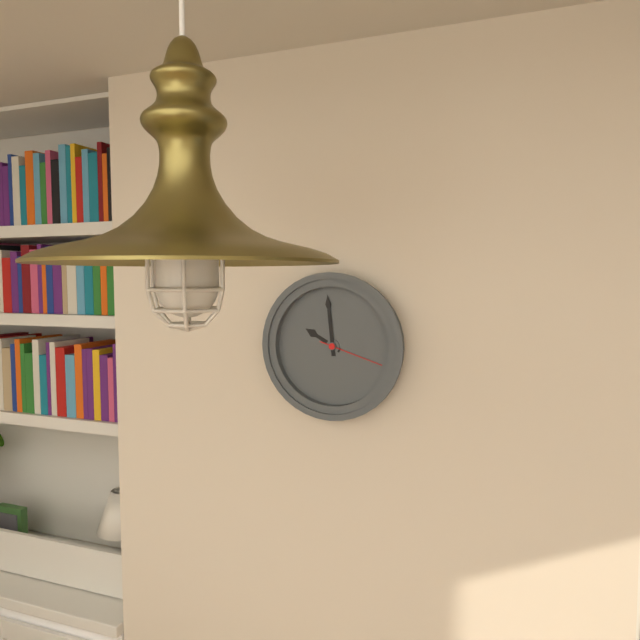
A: 9:59:18
